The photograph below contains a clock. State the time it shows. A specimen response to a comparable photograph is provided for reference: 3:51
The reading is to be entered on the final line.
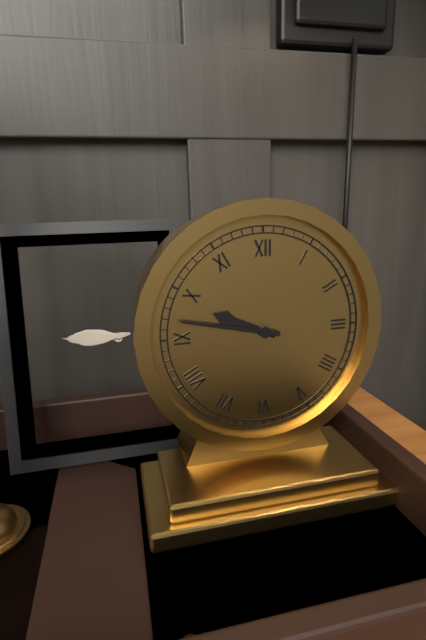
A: 9:47
